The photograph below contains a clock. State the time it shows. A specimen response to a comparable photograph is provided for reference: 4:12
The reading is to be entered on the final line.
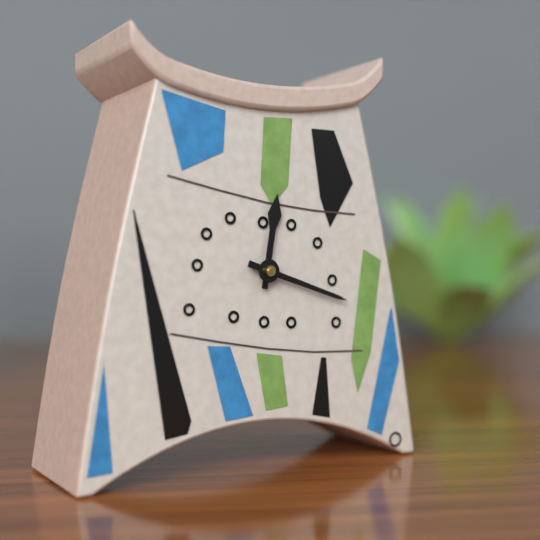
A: 12:18
